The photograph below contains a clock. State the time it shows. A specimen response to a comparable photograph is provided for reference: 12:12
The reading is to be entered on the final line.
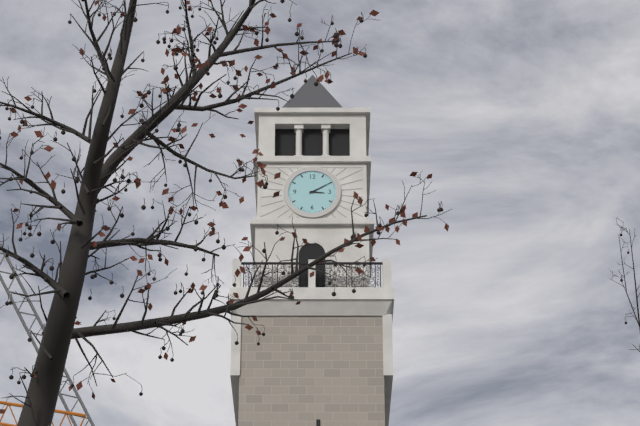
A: 3:10
